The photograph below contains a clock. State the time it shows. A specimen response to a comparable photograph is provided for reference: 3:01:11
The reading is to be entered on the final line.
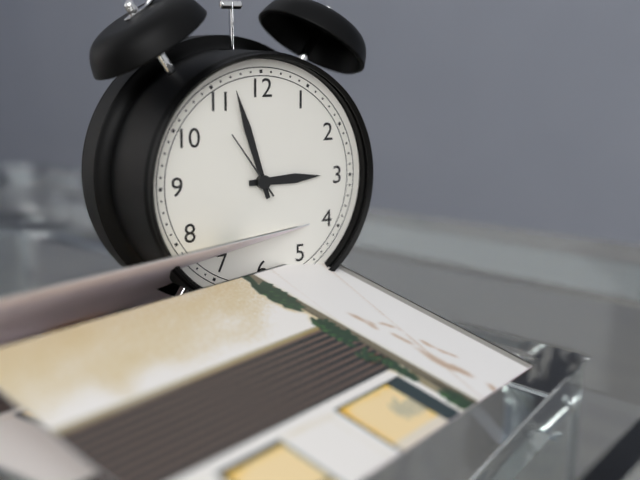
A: 2:57:54
